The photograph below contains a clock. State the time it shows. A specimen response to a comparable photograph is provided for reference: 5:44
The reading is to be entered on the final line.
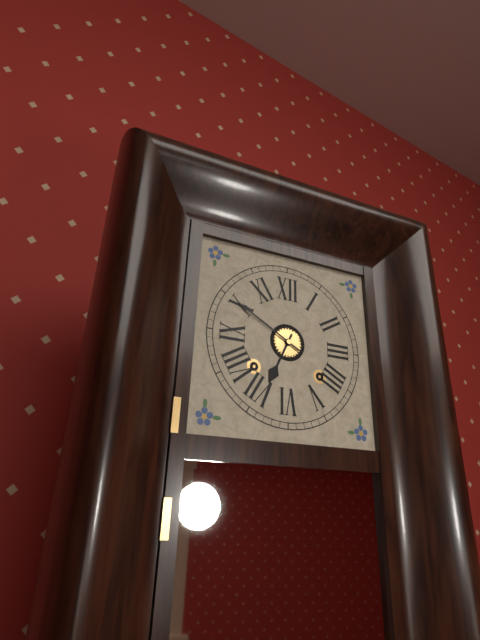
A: 6:50
